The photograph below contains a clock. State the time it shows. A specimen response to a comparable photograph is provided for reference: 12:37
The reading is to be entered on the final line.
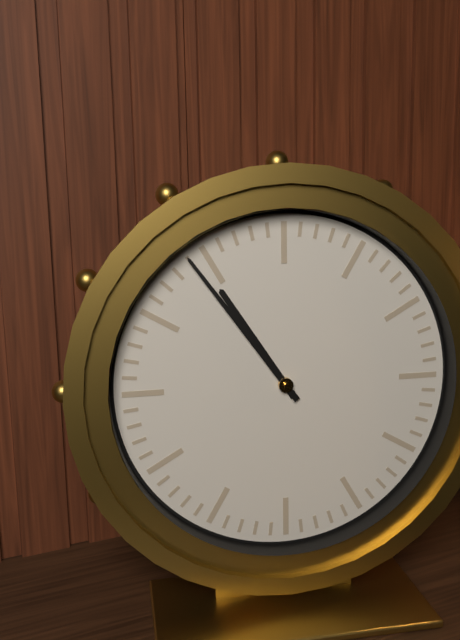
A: 10:54
